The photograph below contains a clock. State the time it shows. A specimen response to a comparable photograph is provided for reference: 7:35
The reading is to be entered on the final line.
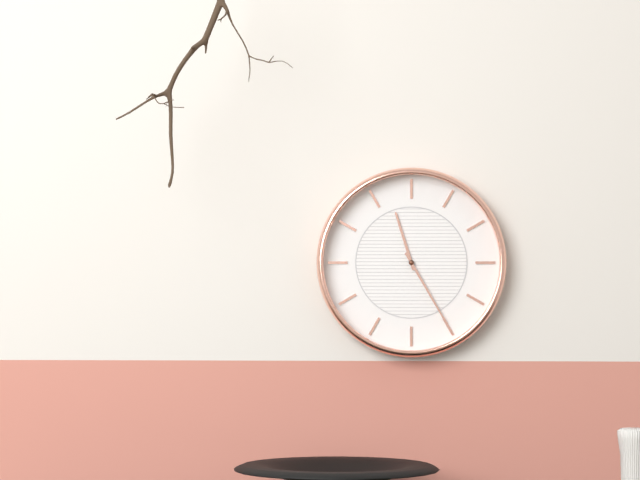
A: 11:25
